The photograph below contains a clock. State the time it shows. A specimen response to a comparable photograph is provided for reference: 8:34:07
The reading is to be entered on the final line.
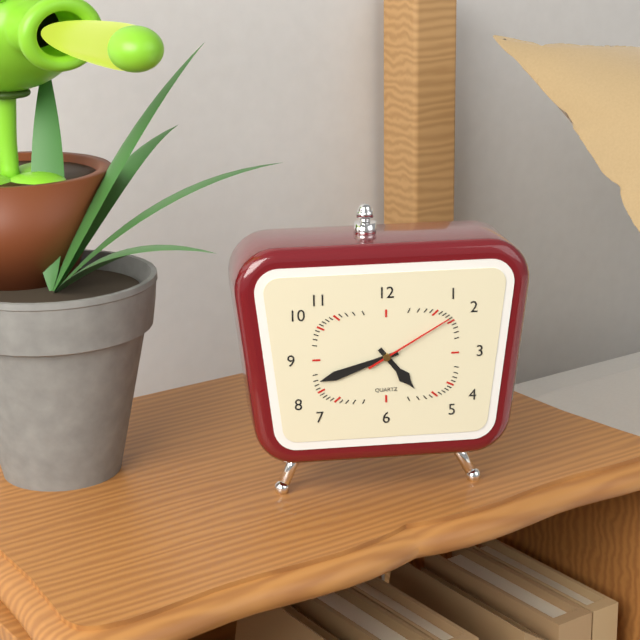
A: 4:42:10
